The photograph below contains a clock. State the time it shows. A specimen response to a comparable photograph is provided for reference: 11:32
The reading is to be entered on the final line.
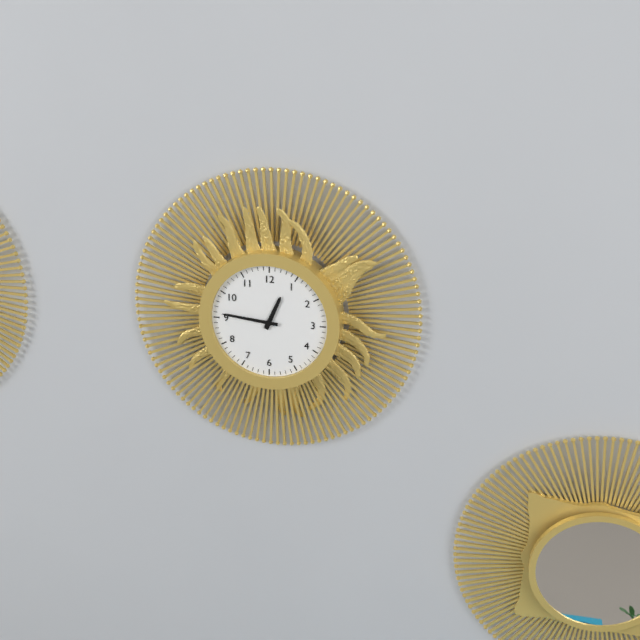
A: 12:46
